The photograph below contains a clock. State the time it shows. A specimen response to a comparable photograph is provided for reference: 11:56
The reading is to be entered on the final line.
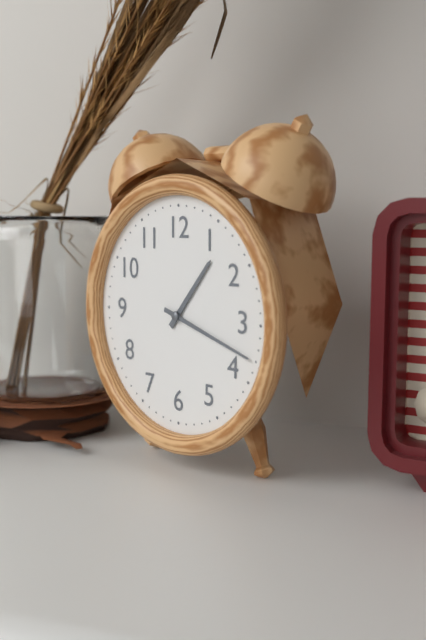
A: 1:18
